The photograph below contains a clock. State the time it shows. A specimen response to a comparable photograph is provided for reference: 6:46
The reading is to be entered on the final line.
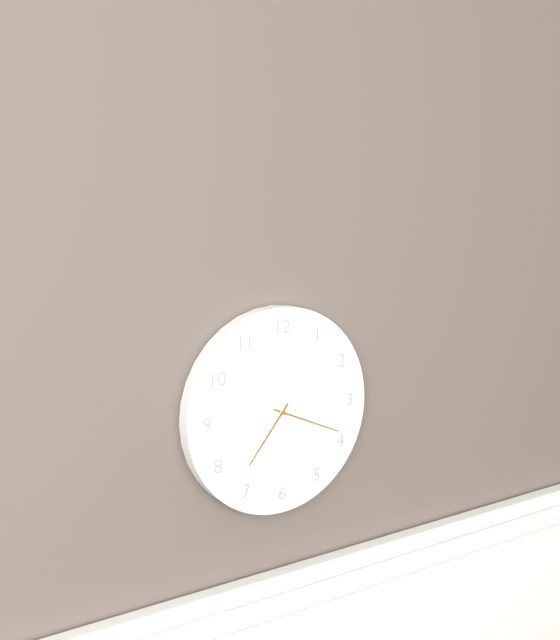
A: 7:19
